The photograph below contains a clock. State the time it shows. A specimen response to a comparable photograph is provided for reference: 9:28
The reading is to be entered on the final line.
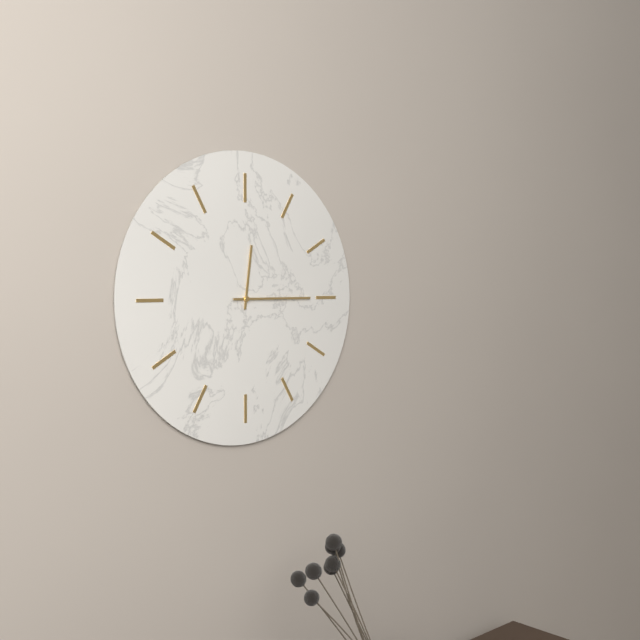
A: 12:15
